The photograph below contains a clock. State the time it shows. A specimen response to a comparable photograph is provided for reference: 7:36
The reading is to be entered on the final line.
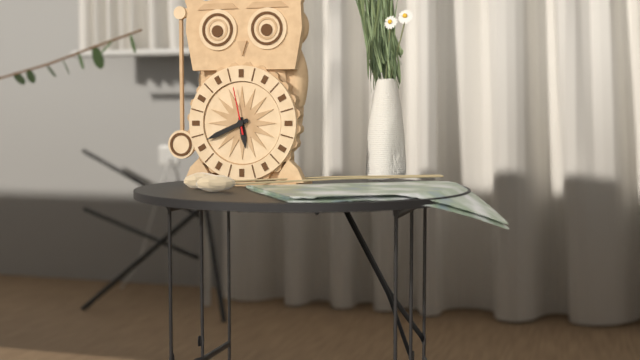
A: 5:41
